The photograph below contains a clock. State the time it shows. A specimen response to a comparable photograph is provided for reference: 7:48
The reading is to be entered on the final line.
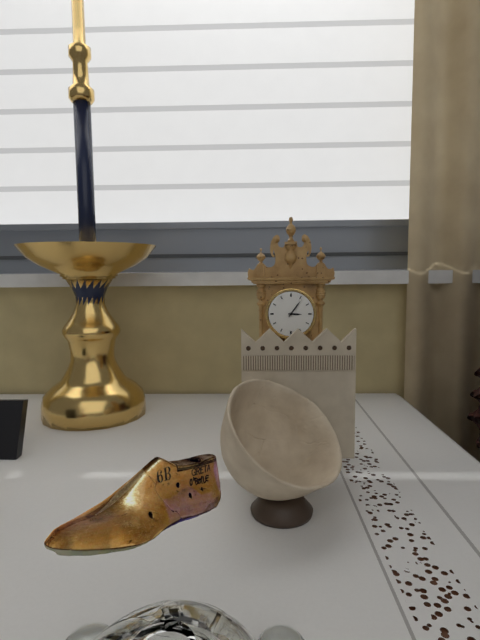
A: 3:06
